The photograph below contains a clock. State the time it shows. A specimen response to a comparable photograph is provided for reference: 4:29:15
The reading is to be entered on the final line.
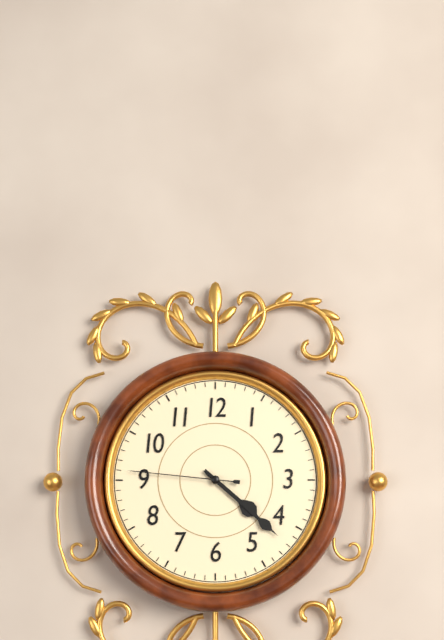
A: 4:22:46
